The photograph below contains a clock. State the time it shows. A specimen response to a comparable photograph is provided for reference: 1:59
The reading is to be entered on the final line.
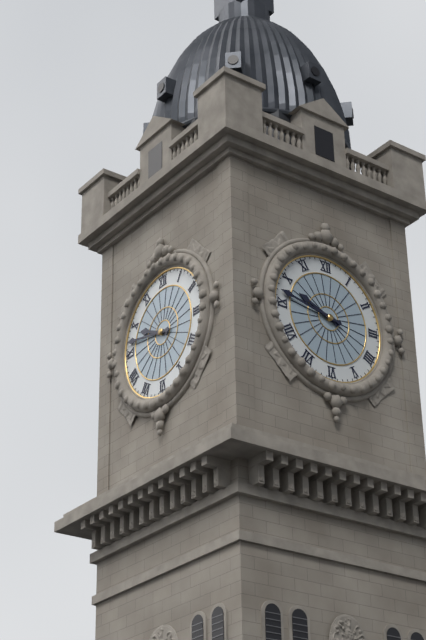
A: 9:47
